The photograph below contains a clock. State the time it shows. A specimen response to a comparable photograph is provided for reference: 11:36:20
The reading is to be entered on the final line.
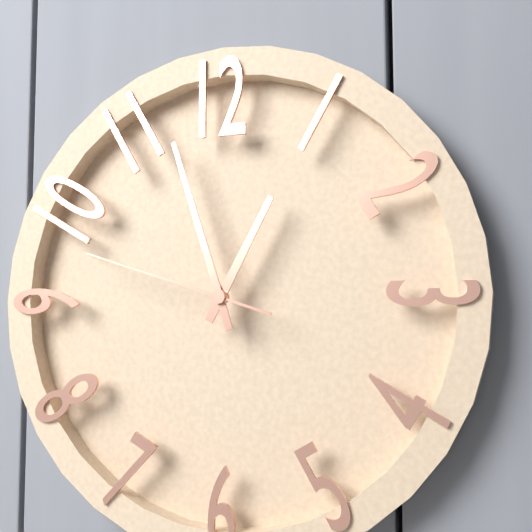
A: 12:57:48
